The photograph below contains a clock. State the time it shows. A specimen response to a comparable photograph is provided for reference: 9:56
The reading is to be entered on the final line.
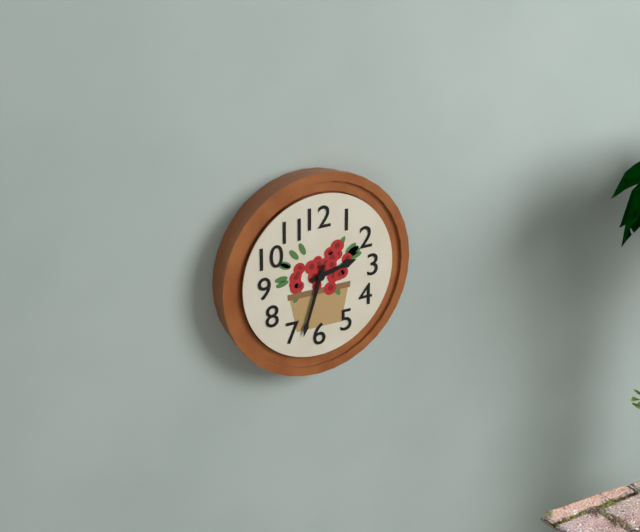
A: 2:33
